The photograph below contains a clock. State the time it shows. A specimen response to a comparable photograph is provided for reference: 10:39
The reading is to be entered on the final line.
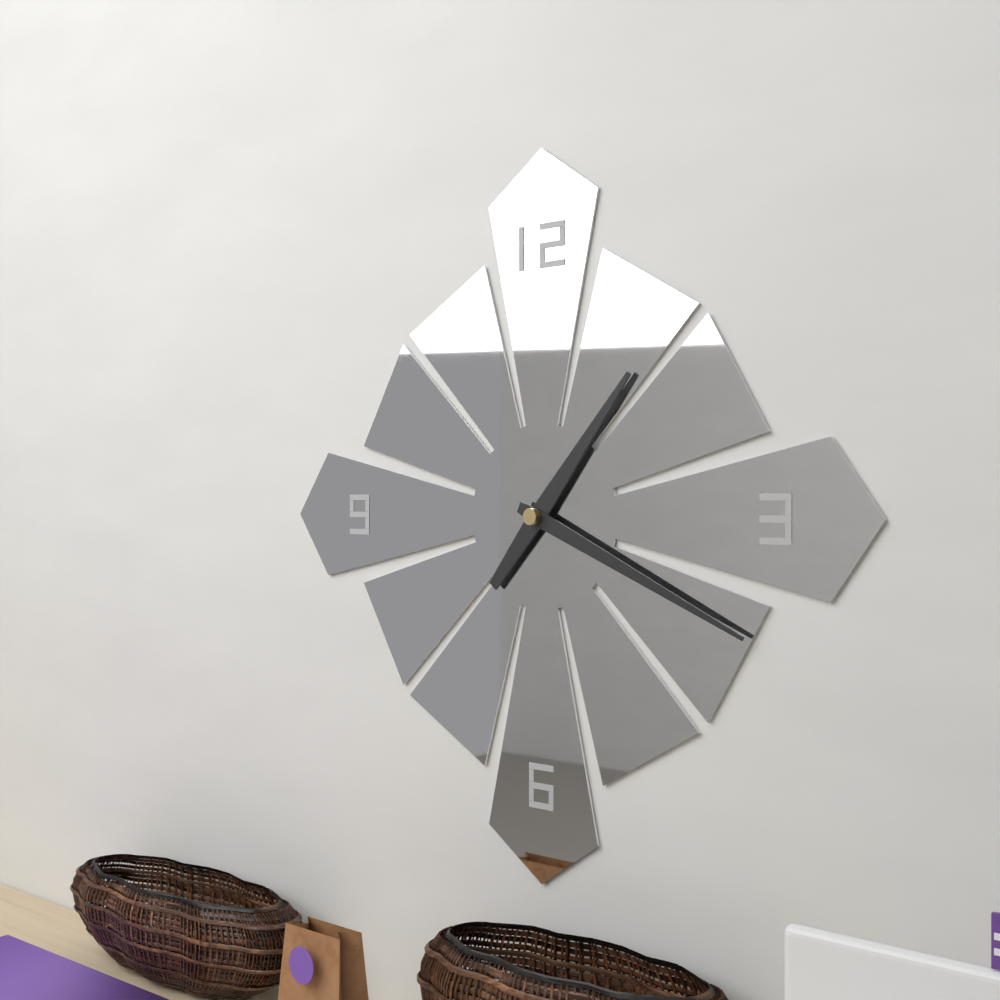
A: 1:19
